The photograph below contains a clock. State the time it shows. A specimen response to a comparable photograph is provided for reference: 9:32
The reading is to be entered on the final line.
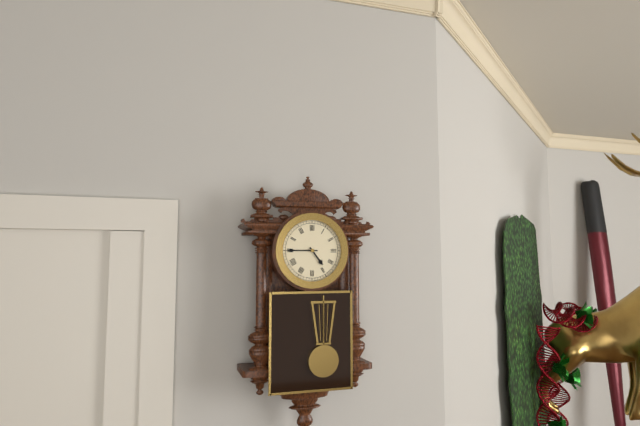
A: 4:45
